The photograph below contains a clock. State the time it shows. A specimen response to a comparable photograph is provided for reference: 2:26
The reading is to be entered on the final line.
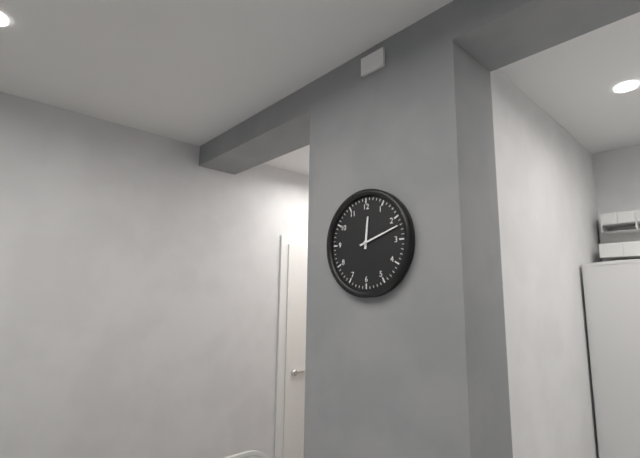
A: 12:12
